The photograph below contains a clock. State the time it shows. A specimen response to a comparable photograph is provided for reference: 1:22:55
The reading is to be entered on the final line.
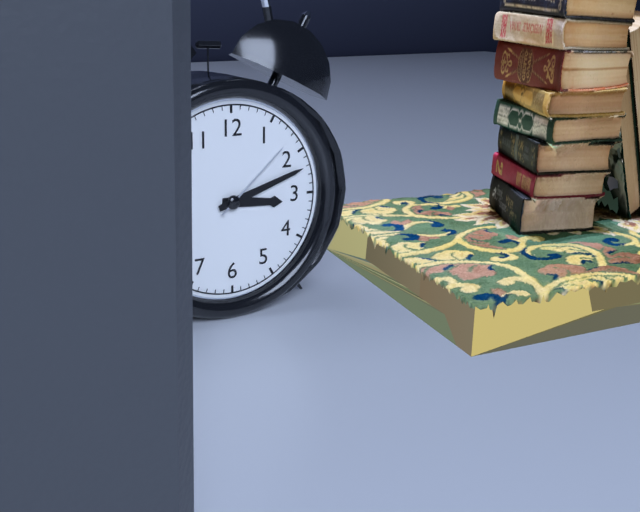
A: 3:12:08
